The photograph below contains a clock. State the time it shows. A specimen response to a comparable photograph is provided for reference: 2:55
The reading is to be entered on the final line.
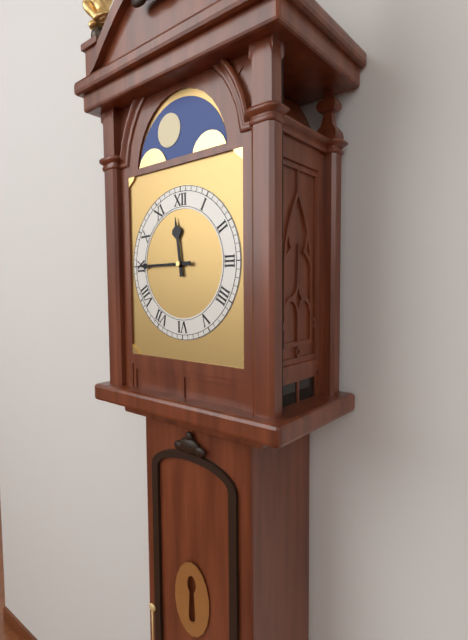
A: 11:45
